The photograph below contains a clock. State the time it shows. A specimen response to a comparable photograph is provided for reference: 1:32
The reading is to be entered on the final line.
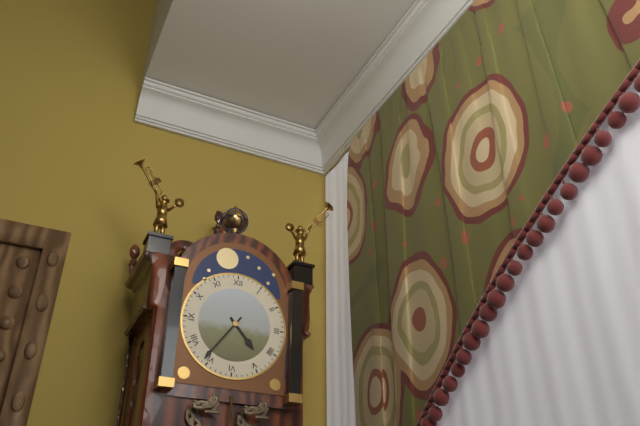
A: 4:36
